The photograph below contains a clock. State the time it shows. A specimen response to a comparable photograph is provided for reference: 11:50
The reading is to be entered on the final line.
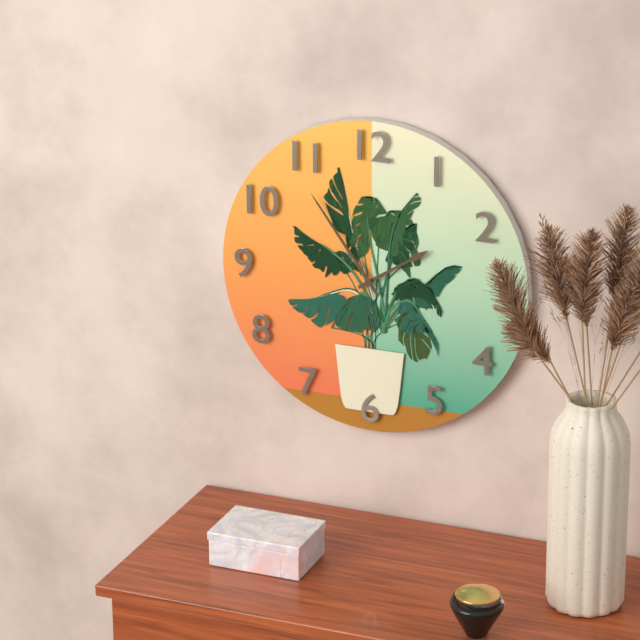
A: 1:54
